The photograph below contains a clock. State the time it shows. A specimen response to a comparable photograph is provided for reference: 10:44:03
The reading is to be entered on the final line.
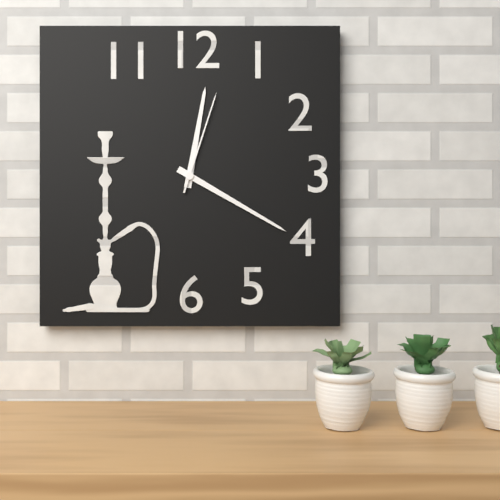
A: 12:20:03
